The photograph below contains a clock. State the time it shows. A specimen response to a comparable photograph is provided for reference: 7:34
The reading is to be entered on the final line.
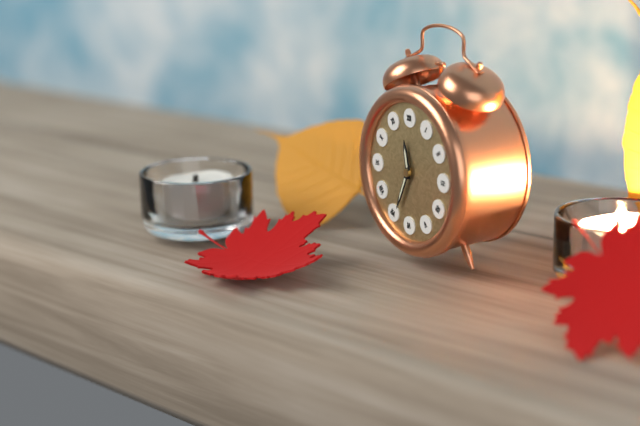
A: 11:34
